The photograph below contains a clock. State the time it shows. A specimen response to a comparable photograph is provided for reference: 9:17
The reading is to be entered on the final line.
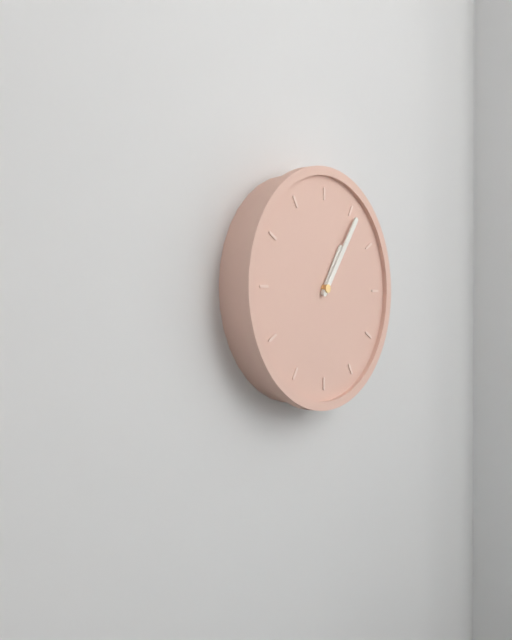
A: 1:06
